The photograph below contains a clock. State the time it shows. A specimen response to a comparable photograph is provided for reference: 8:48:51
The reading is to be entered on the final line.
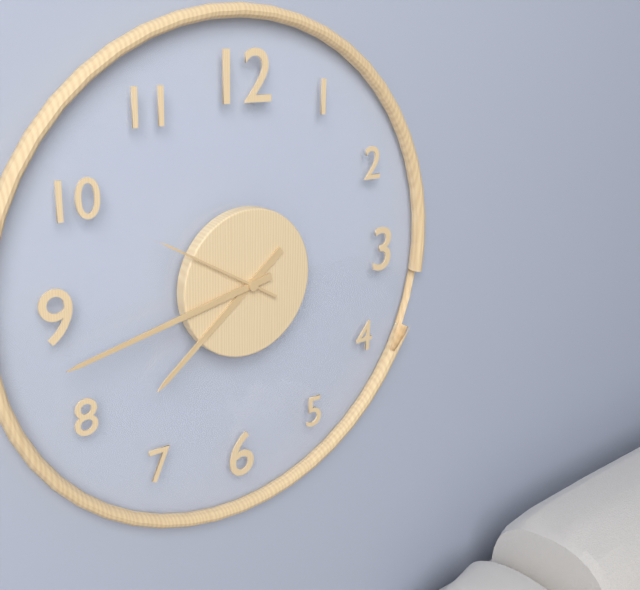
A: 7:43:50
